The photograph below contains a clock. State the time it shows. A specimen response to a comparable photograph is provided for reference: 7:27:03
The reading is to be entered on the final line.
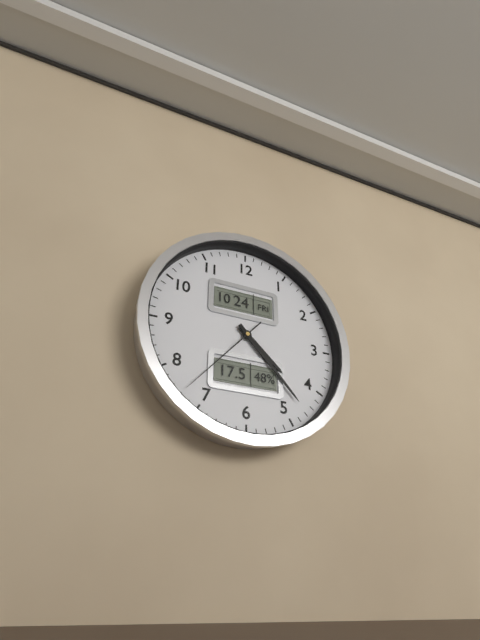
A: 4:23:37
